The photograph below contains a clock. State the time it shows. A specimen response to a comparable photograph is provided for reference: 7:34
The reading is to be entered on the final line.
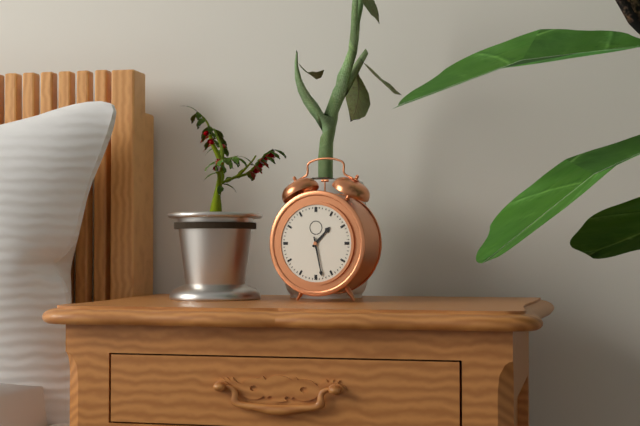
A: 1:28
